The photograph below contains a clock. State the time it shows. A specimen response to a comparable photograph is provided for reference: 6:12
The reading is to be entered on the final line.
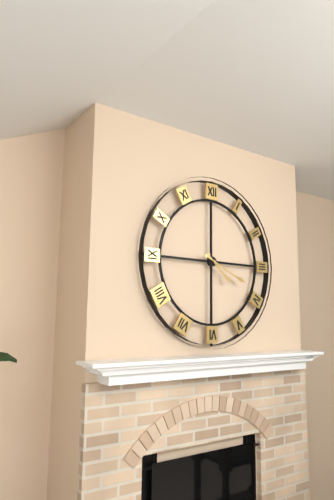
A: 4:19
